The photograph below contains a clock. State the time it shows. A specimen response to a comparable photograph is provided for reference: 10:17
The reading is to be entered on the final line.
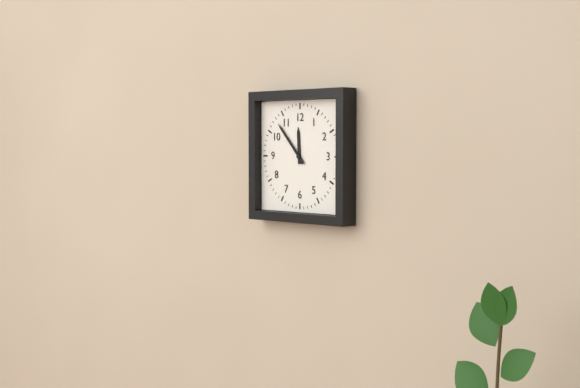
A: 11:53
